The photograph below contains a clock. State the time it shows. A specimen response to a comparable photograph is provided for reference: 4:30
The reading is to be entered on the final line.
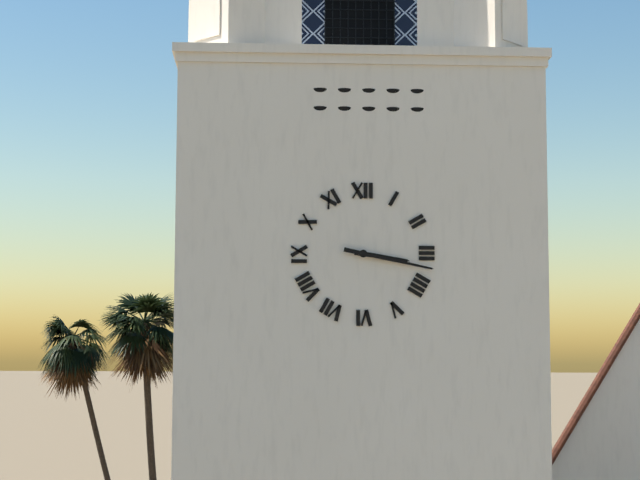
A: 3:17
